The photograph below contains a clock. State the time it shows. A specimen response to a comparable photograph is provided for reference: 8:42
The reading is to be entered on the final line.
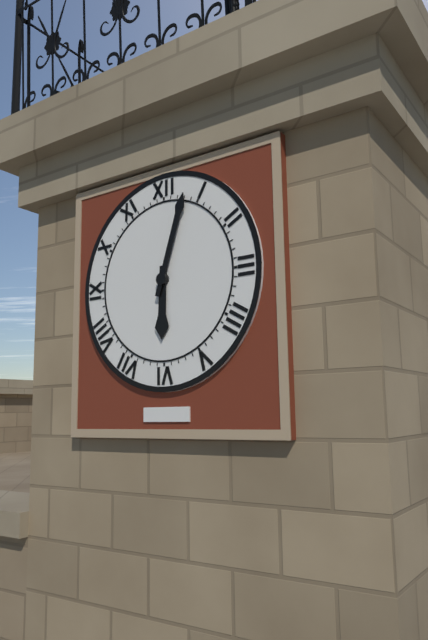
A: 6:03
